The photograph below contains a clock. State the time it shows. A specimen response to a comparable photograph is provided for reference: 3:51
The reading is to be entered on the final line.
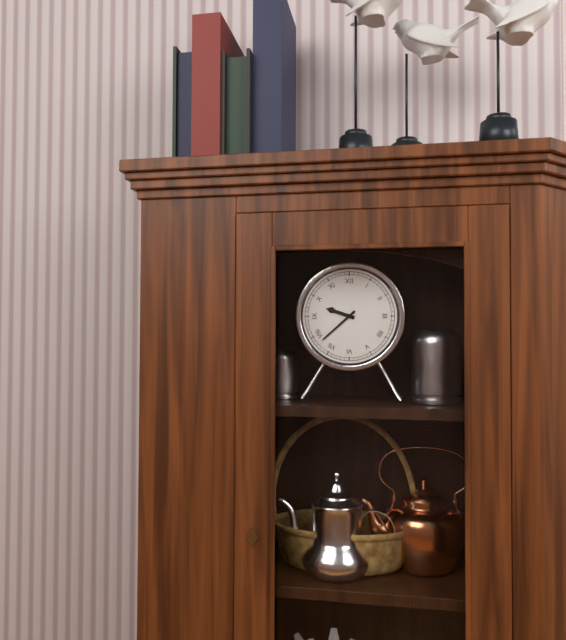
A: 9:38
